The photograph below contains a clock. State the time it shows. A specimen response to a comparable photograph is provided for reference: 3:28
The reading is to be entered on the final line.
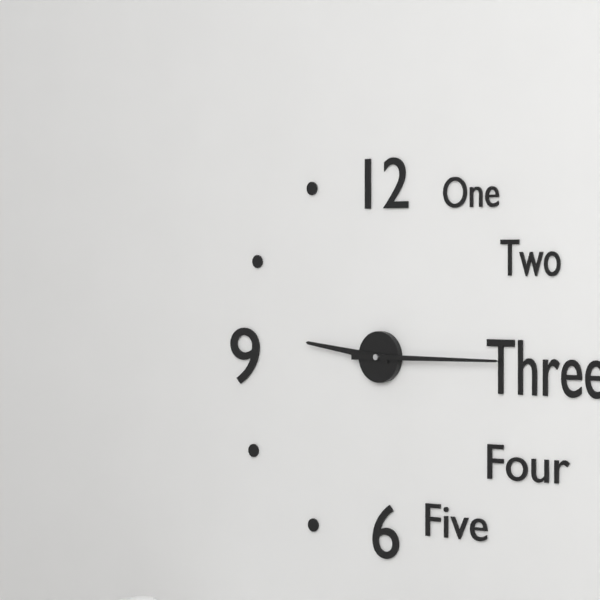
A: 9:15
